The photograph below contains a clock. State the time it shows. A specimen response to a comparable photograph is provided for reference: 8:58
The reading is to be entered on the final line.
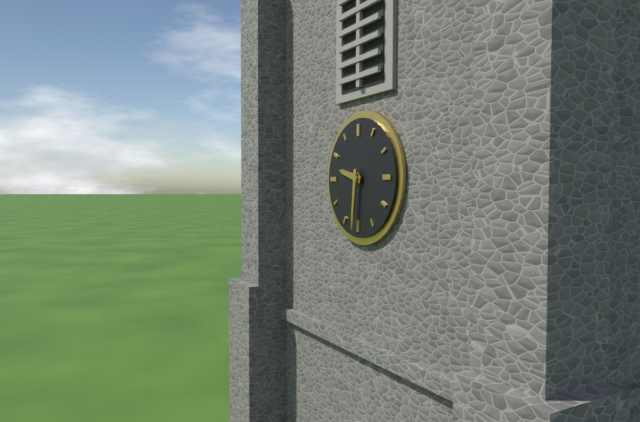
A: 9:31
